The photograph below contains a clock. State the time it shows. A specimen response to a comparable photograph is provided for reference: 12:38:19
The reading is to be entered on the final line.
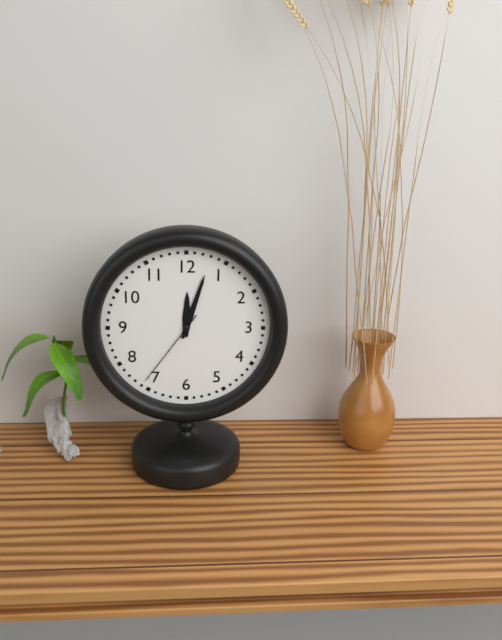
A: 12:03:36
